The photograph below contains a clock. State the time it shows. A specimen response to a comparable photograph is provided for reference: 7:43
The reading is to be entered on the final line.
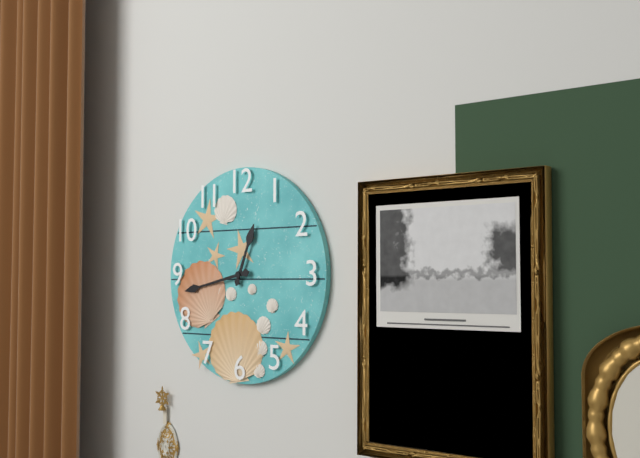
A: 12:43
